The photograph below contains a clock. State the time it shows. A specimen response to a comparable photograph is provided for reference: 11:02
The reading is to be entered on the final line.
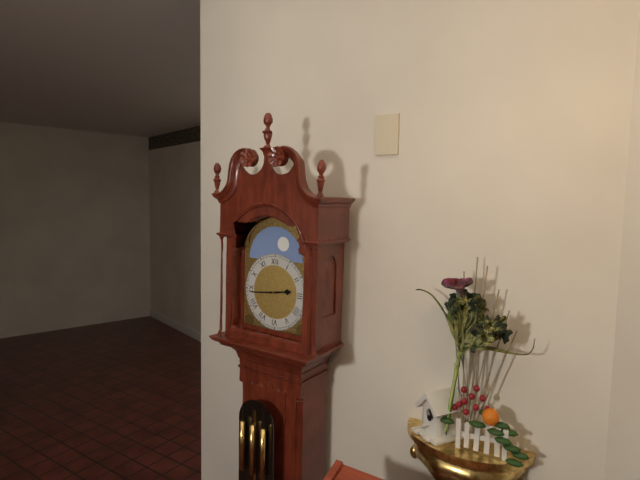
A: 2:44
